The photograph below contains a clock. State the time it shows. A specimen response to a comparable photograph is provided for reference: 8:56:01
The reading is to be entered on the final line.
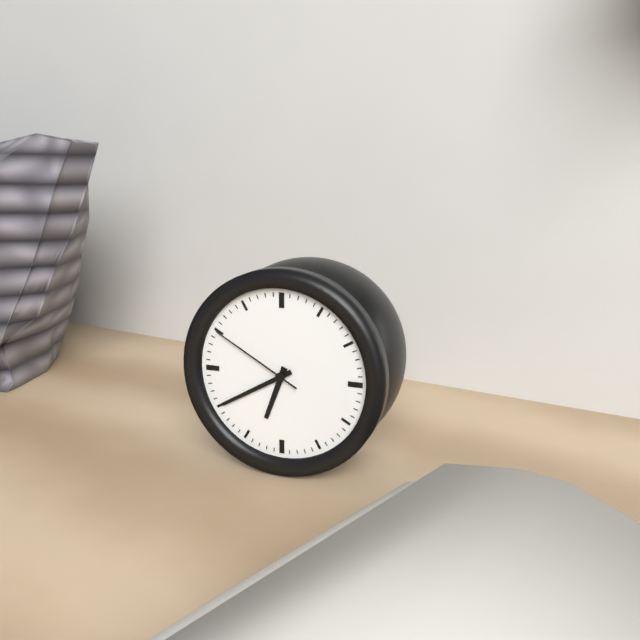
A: 6:40:50
